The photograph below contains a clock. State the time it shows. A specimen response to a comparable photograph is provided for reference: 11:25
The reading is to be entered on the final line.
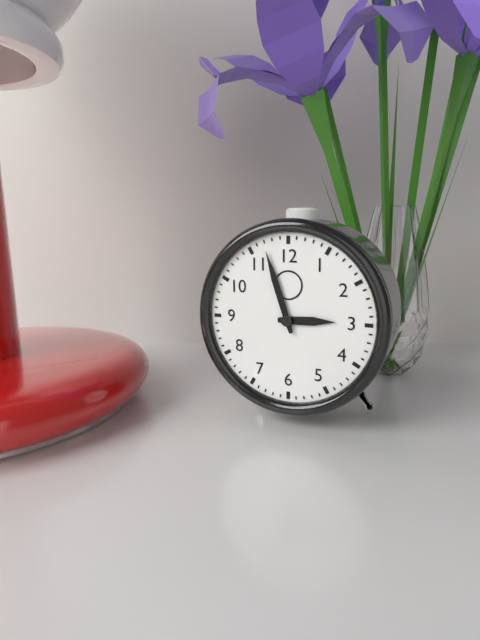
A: 2:57
